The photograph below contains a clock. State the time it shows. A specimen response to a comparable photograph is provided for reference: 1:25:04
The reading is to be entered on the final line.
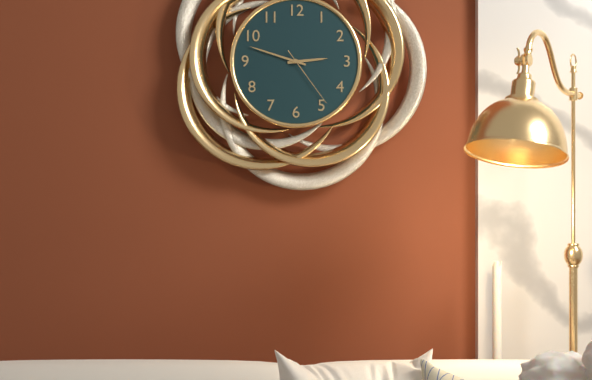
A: 2:48:24
